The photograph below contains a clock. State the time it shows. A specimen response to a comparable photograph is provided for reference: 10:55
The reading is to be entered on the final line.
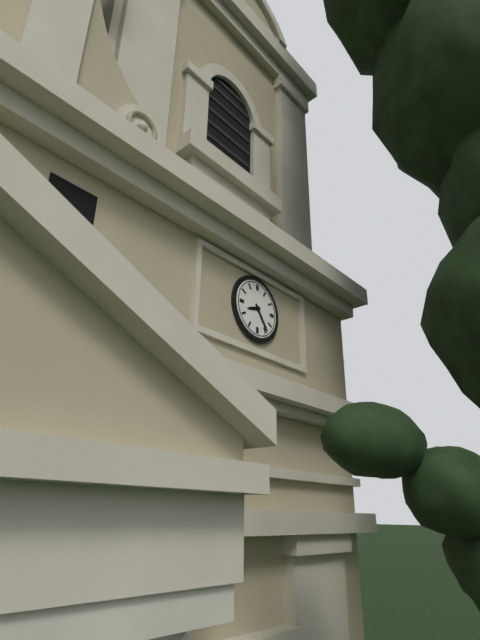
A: 8:24
